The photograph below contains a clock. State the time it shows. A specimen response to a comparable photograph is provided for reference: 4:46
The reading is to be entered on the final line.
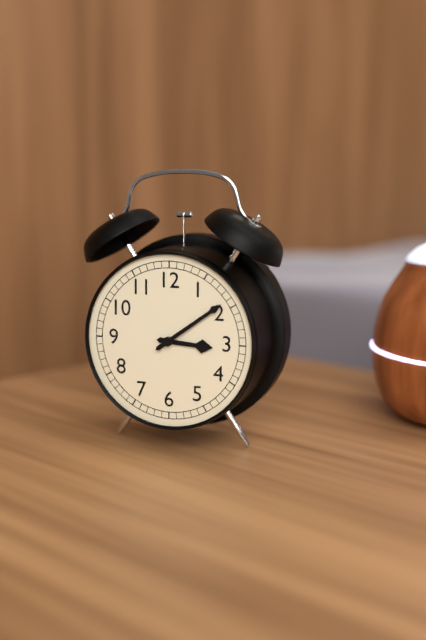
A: 3:09
